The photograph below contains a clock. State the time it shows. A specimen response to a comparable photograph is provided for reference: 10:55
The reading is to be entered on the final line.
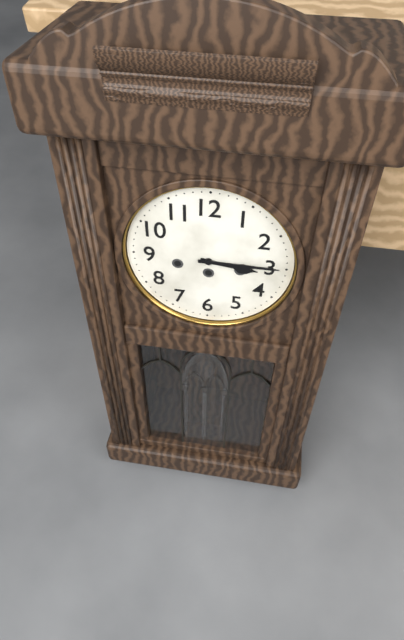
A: 3:15
